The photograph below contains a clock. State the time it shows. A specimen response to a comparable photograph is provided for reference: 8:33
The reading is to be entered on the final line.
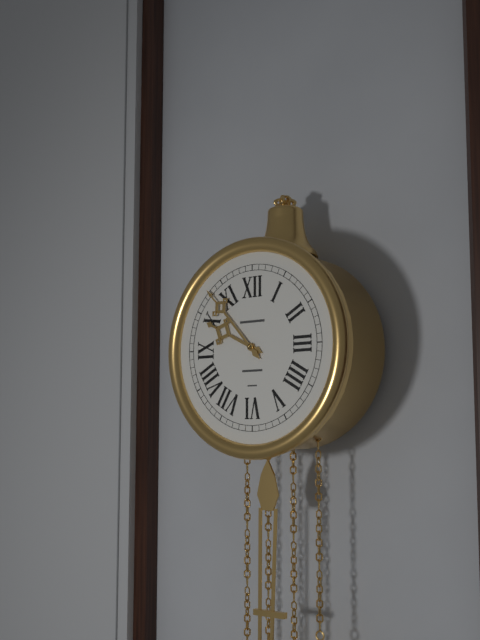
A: 9:53
